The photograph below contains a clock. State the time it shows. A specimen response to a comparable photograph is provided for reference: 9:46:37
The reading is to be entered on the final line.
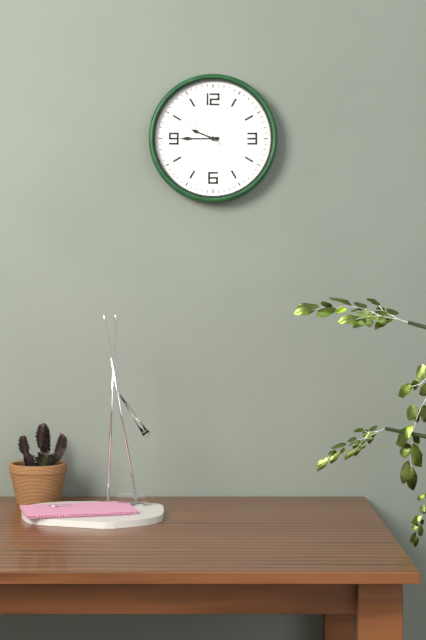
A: 9:45:51
